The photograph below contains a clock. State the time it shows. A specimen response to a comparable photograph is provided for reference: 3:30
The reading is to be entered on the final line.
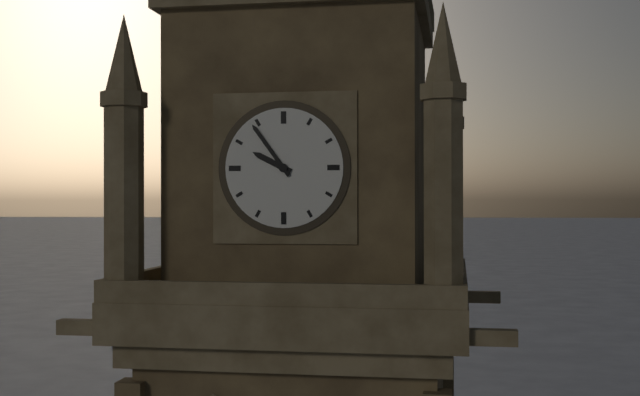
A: 9:54
